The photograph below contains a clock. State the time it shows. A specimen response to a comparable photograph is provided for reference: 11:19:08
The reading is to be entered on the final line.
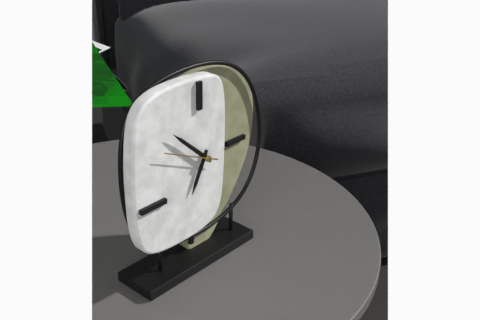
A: 6:52:49
